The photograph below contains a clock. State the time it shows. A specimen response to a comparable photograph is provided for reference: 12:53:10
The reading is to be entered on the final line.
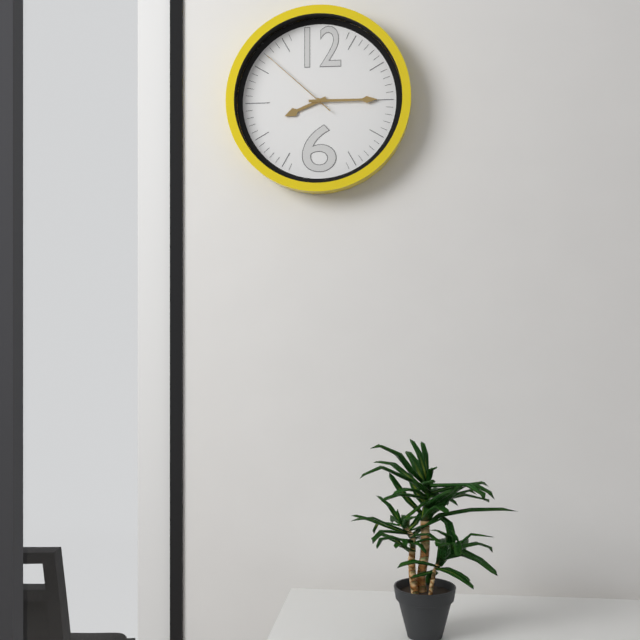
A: 8:15:52
